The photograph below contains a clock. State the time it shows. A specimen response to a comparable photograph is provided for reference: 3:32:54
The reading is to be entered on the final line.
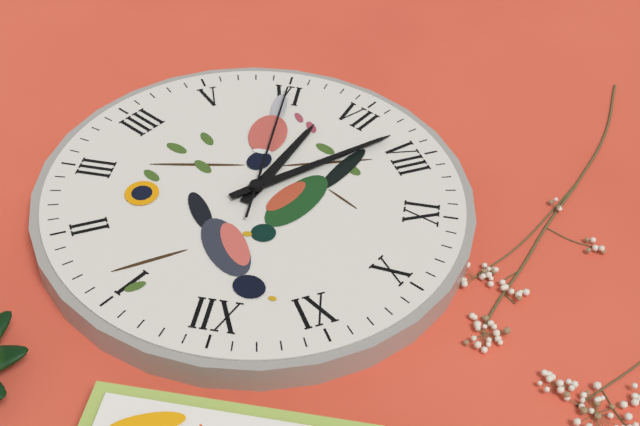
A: 6:38:30
